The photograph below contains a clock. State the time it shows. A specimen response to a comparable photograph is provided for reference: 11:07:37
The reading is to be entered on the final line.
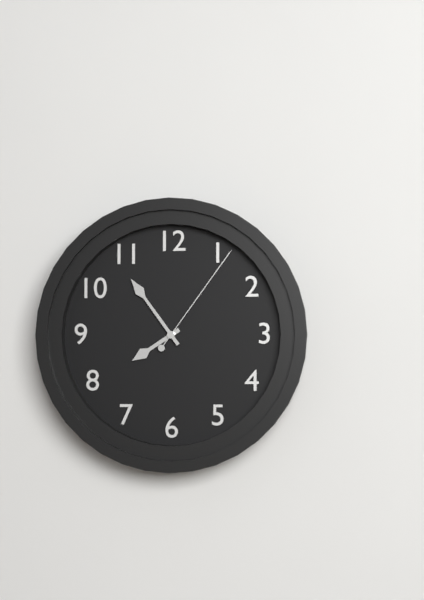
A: 7:54:06
